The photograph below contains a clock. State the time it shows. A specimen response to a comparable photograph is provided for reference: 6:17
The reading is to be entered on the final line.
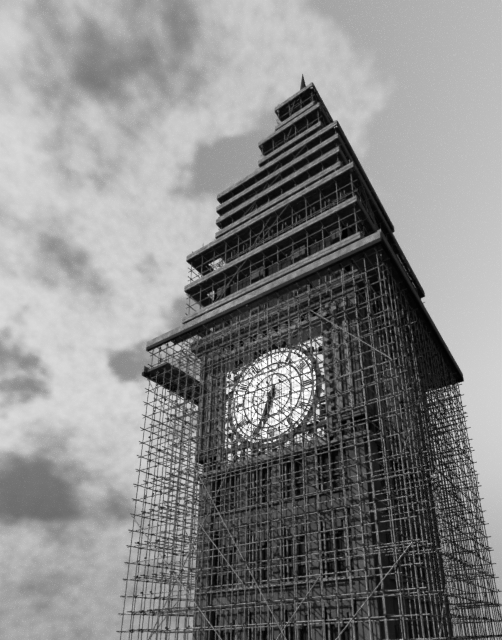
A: 6:34
